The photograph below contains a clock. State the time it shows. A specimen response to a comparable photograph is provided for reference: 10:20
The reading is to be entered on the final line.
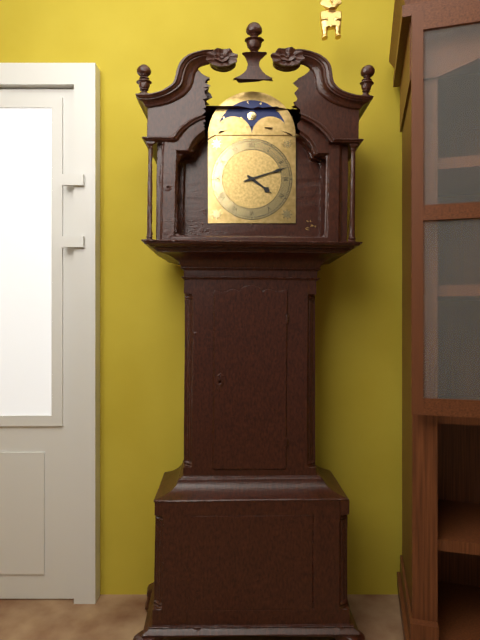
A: 4:12
